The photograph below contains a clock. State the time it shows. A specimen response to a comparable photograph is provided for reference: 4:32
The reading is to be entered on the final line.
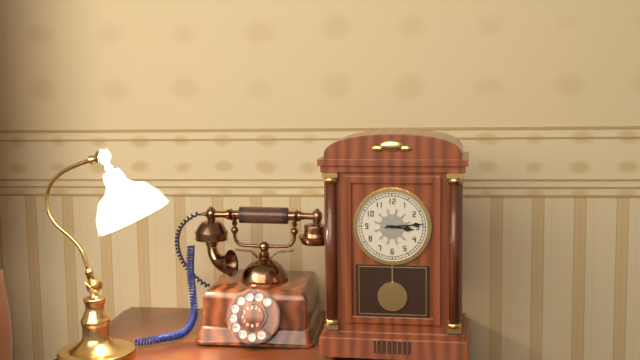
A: 3:14
